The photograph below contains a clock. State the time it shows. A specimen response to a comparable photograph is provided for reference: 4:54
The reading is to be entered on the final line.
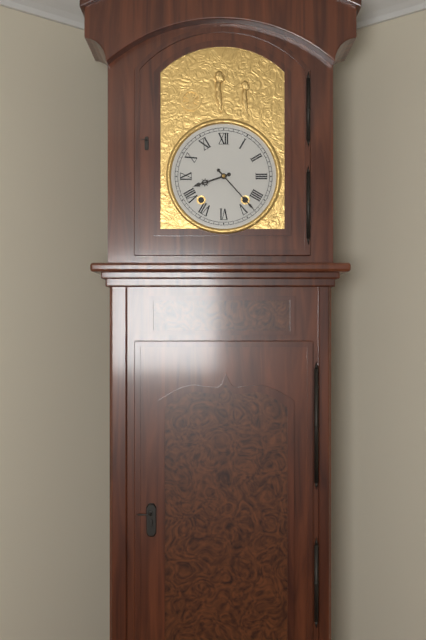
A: 8:23
